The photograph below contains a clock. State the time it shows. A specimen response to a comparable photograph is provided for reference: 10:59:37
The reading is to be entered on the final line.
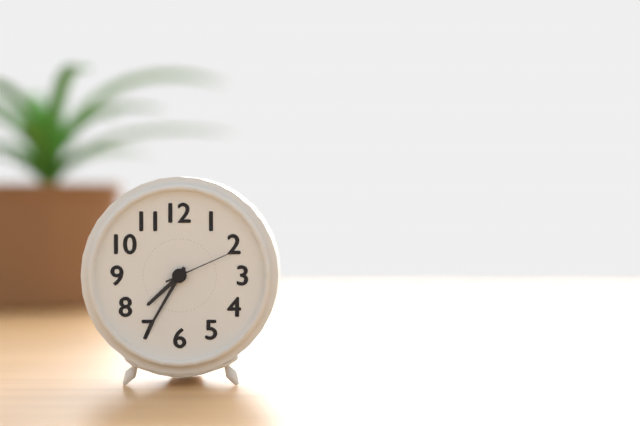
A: 7:35:11
